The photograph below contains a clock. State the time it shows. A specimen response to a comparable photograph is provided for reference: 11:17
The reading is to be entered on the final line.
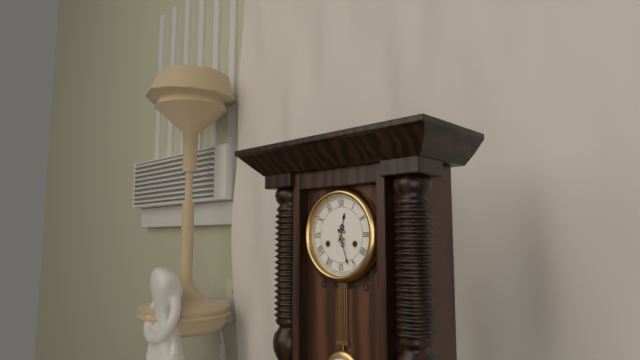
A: 12:27
